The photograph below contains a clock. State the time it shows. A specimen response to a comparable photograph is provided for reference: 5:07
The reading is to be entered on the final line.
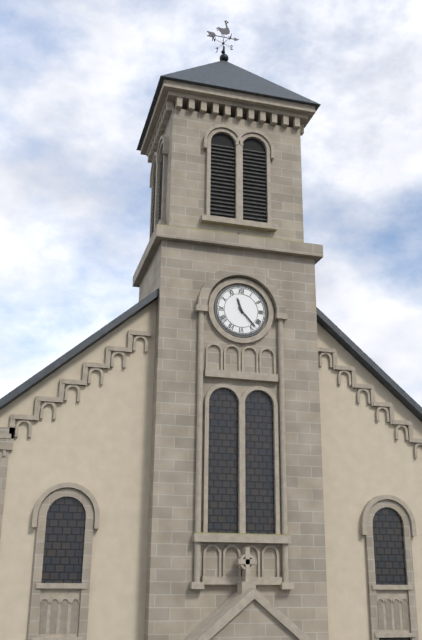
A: 11:23
